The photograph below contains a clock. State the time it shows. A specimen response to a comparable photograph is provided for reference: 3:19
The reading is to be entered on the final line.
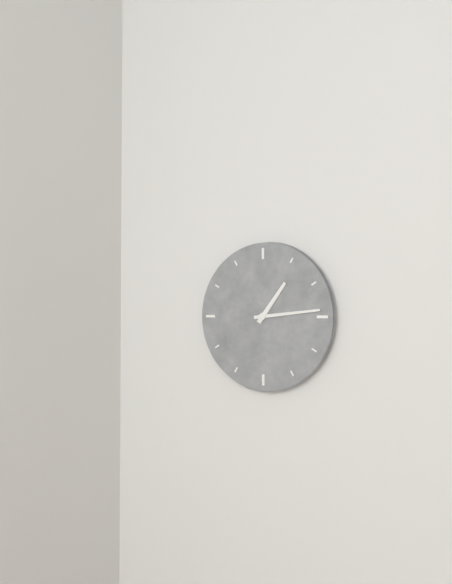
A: 1:14
